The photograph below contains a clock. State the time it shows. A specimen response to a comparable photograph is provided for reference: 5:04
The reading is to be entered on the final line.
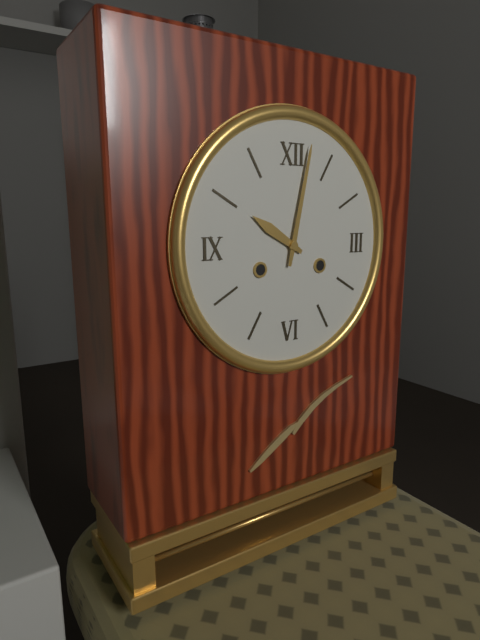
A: 10:02
